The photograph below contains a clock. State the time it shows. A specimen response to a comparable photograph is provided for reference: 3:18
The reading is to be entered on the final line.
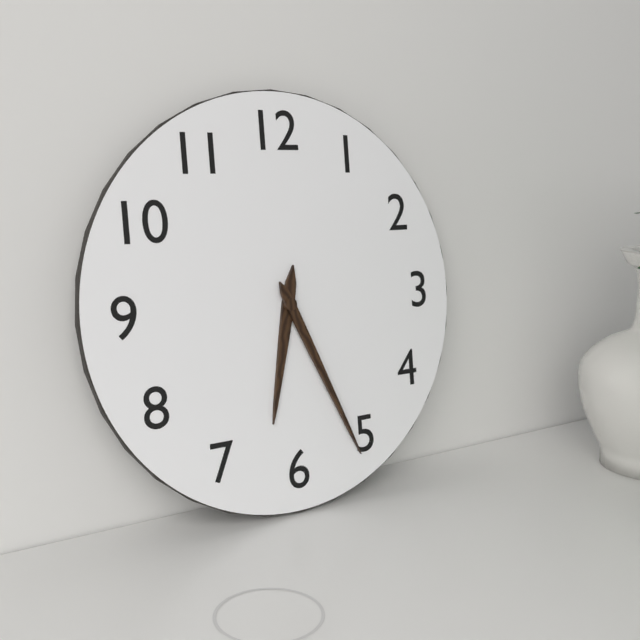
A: 6:26
